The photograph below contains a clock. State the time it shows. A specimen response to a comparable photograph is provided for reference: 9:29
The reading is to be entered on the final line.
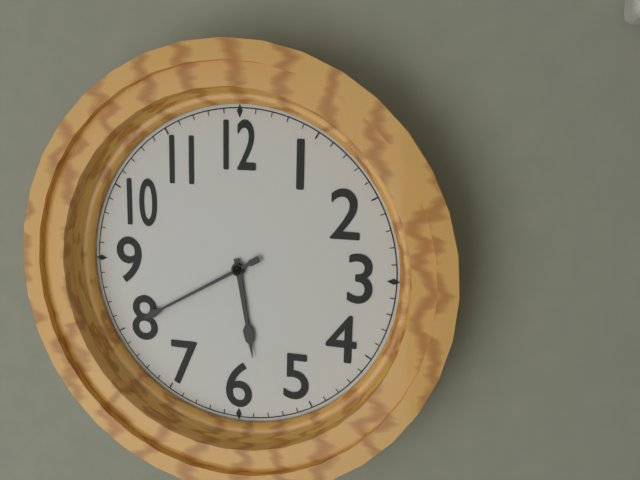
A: 5:40
